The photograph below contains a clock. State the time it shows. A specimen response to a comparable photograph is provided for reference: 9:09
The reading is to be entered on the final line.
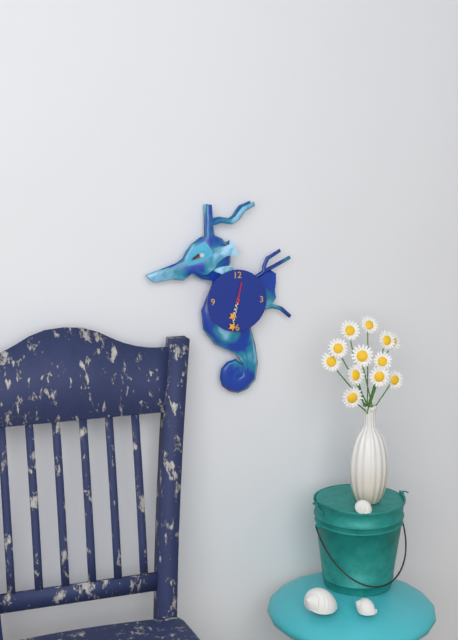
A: 6:32
